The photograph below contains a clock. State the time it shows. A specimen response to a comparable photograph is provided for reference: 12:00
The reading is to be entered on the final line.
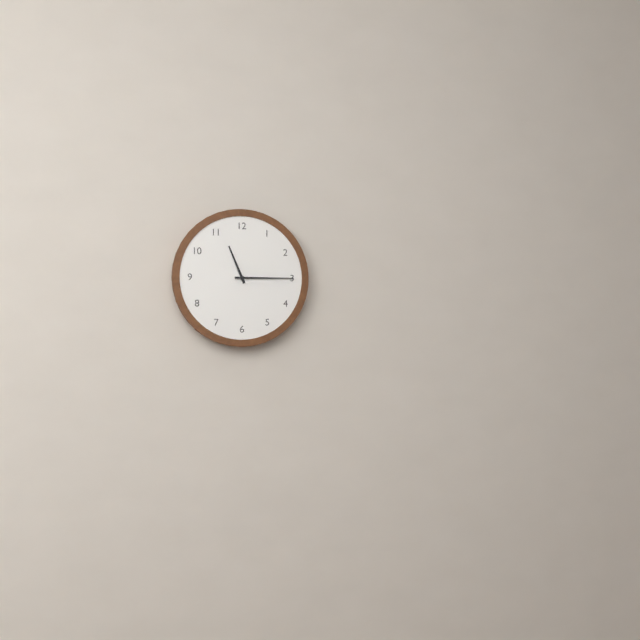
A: 11:15
